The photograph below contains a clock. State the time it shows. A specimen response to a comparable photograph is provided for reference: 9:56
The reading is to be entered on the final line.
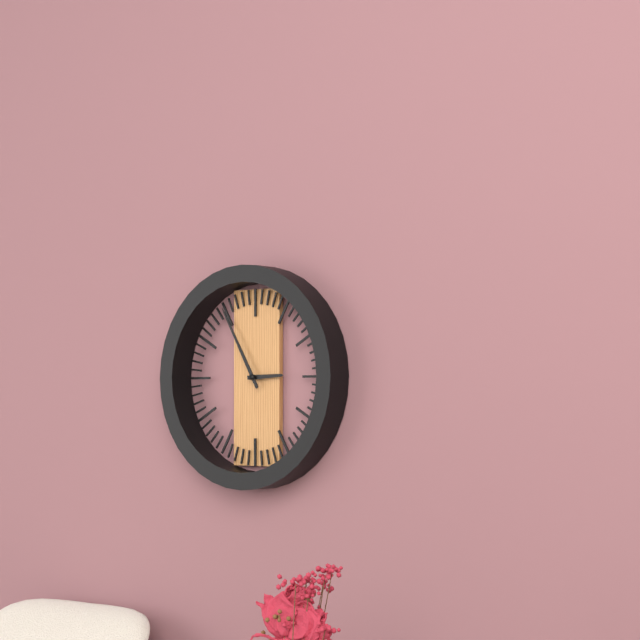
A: 2:55
